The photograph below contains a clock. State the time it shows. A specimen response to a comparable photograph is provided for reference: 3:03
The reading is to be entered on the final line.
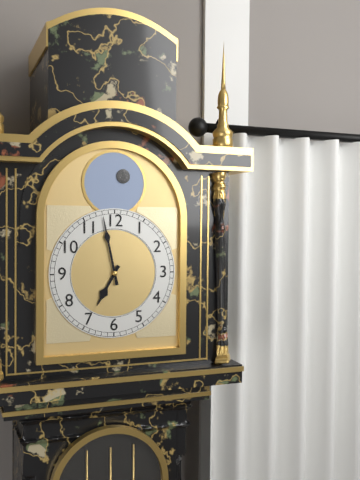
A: 6:58
